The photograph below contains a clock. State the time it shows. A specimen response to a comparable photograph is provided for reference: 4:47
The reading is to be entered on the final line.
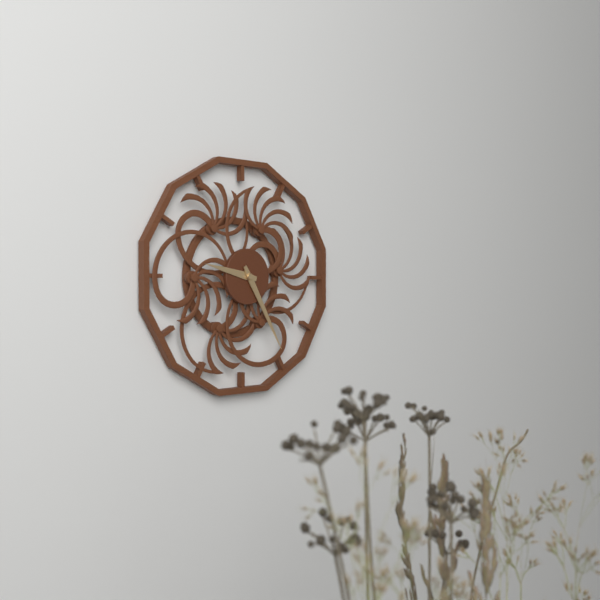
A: 9:25
